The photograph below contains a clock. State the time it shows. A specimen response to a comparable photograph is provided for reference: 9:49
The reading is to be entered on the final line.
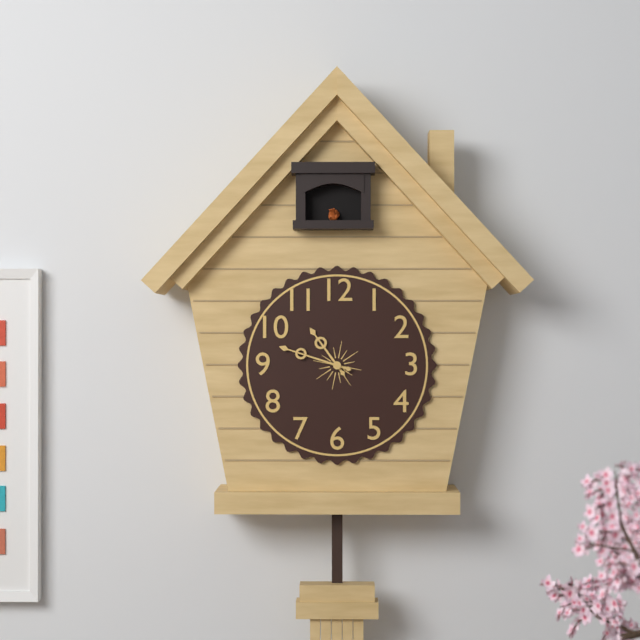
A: 10:48
